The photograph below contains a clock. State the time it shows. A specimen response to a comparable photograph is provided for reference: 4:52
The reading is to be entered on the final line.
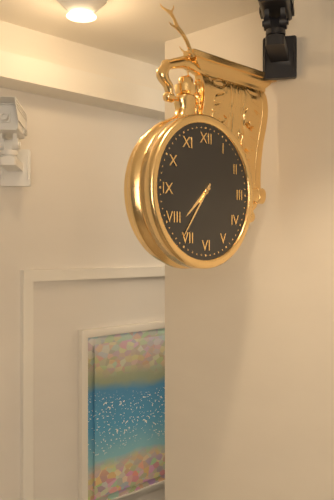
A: 7:36
